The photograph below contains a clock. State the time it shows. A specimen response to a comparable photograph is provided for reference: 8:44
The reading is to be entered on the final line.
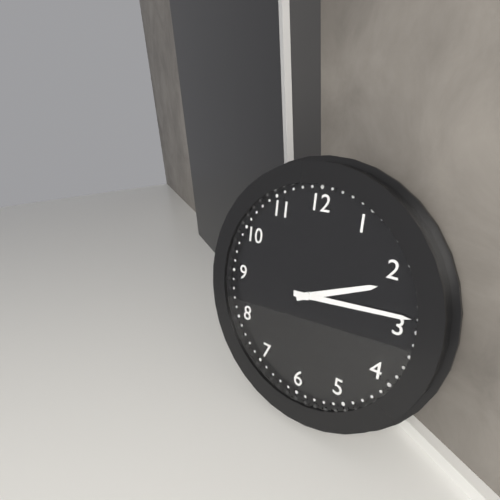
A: 2:14
